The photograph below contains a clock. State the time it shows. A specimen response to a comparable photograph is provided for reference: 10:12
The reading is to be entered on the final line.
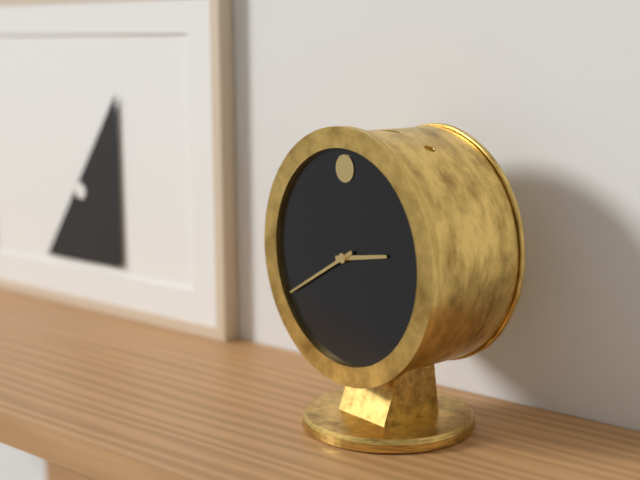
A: 2:40
